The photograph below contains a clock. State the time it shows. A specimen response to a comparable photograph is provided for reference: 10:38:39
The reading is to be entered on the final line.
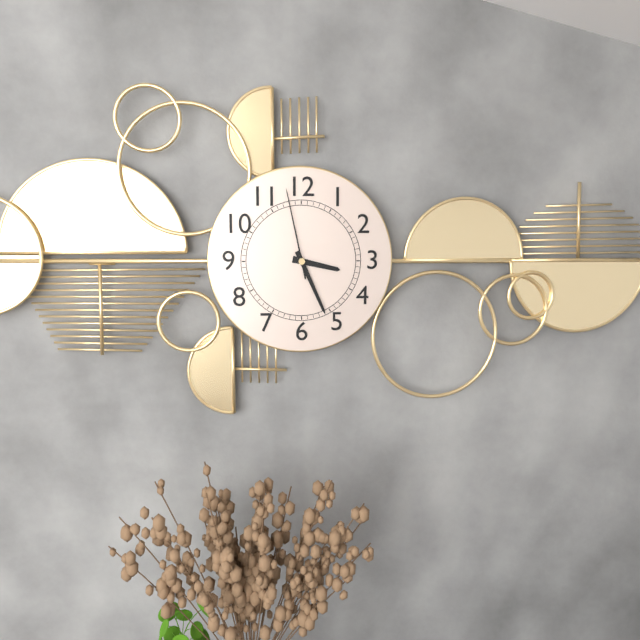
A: 3:26:58
